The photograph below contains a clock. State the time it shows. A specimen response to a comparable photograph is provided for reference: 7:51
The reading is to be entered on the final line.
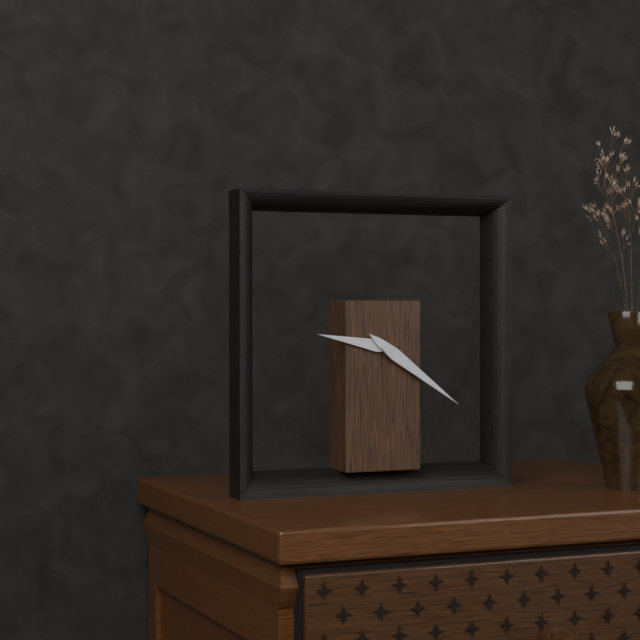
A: 9:21
